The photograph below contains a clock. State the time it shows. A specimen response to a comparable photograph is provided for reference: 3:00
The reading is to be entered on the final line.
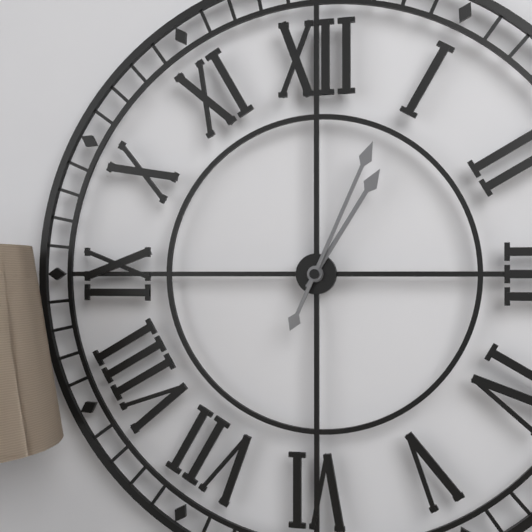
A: 1:04
